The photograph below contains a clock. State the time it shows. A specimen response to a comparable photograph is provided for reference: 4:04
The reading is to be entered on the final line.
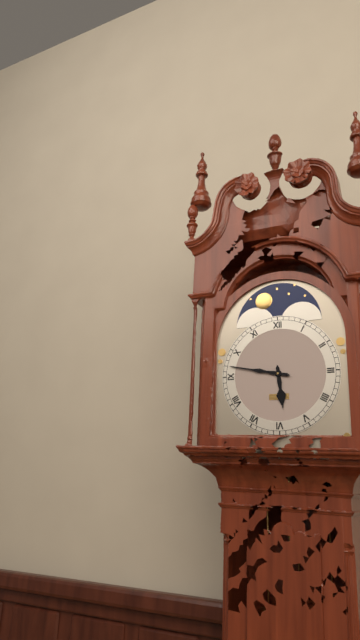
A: 5:47
